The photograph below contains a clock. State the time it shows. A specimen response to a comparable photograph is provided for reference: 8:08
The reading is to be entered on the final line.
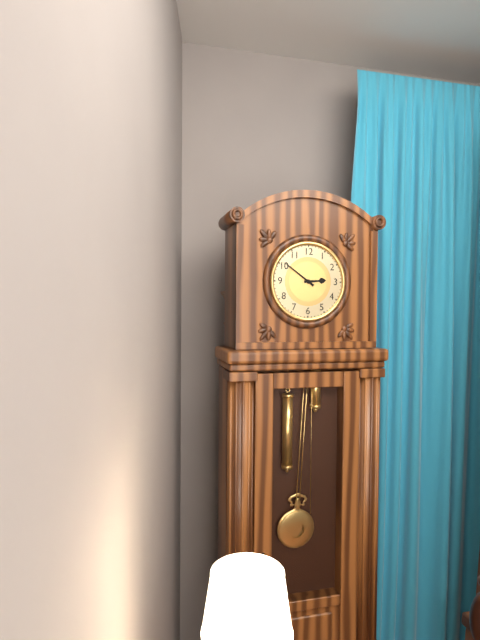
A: 2:51
